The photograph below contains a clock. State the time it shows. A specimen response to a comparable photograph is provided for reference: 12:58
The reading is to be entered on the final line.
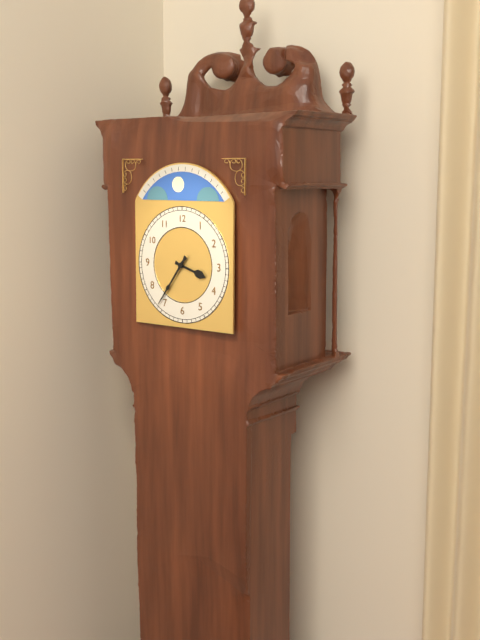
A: 3:36
